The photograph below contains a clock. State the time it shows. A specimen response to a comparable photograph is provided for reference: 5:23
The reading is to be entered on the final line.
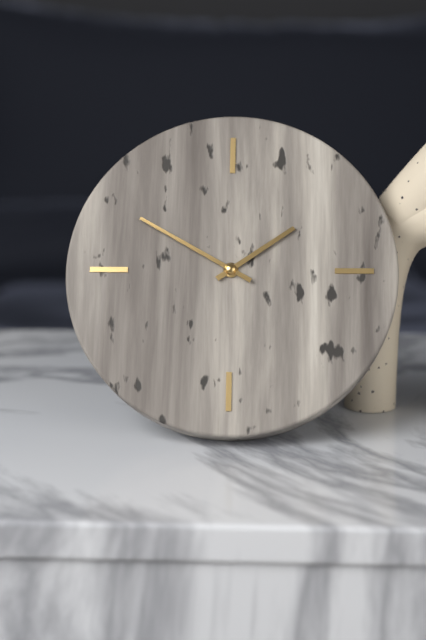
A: 1:50
